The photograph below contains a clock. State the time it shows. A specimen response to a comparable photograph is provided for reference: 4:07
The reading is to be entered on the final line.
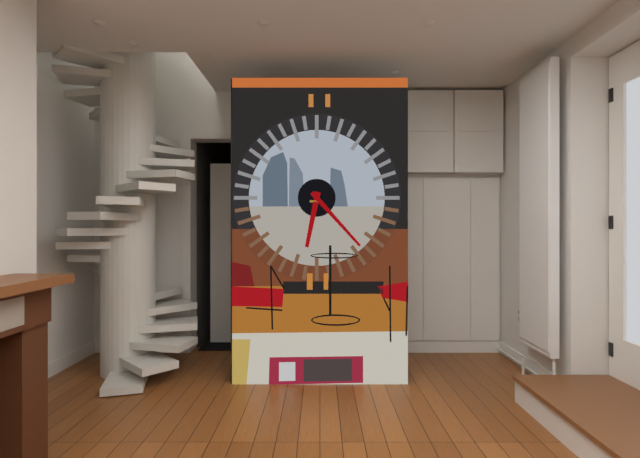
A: 6:23
